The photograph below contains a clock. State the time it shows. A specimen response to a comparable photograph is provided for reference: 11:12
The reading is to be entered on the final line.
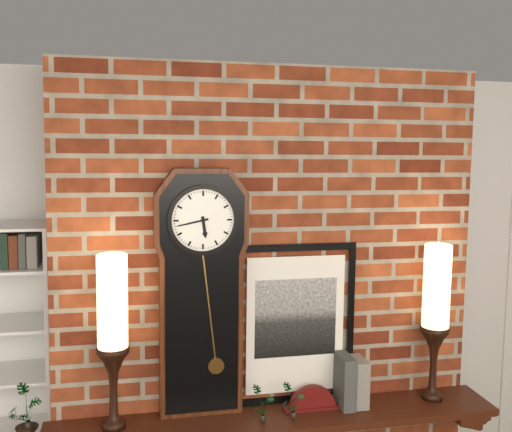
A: 5:43
